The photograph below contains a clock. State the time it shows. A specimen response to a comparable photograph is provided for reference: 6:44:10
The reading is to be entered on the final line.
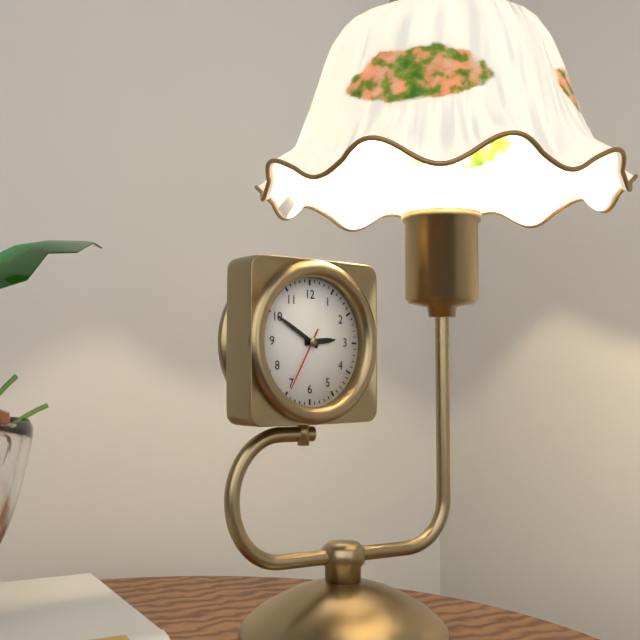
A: 2:50:35
